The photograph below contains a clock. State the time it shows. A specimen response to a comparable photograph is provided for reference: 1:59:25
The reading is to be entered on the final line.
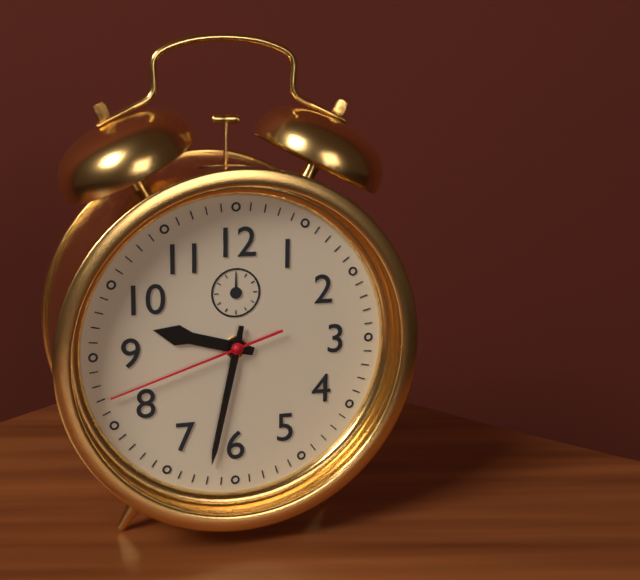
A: 9:32:42
